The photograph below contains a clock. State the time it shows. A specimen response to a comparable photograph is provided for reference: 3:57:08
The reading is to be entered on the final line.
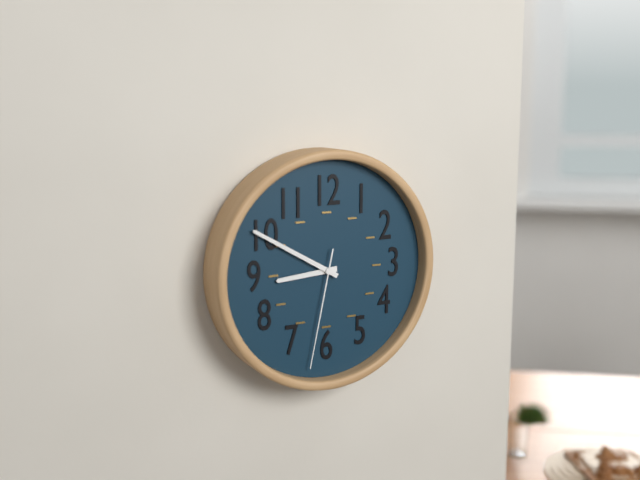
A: 8:50:32
